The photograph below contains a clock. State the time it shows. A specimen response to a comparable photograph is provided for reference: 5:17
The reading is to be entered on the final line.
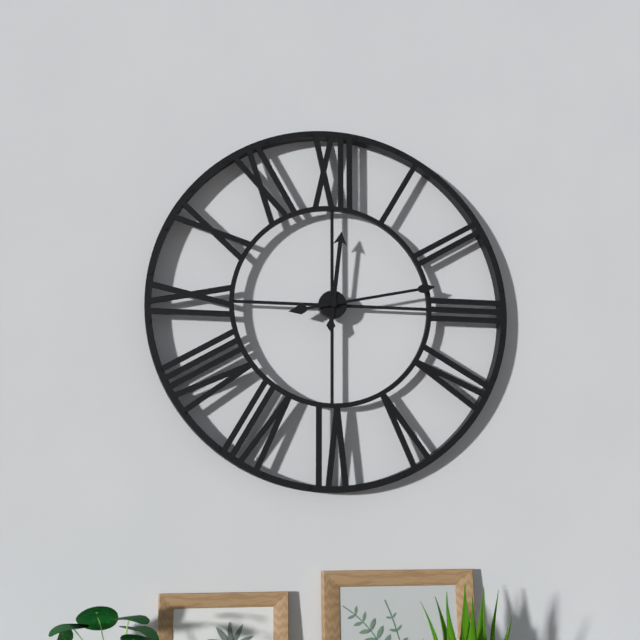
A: 12:13
